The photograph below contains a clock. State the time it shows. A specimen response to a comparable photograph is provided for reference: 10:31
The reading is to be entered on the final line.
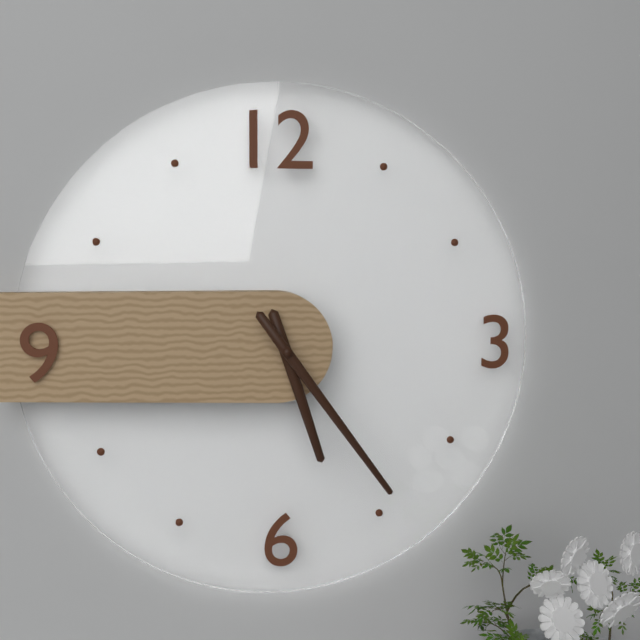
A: 5:24
